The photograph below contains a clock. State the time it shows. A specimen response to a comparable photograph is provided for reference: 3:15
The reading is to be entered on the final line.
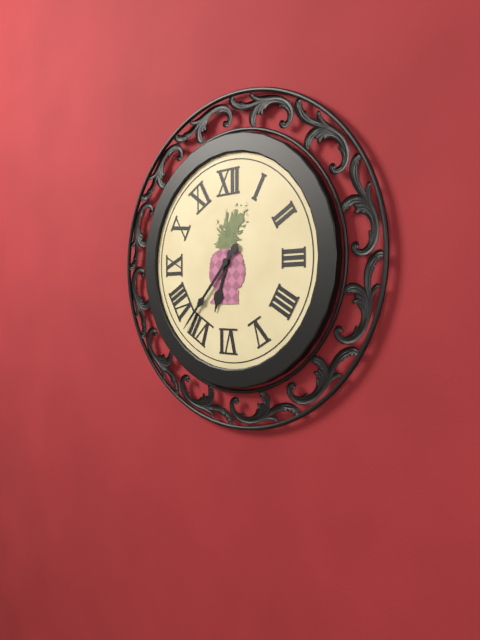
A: 6:37
